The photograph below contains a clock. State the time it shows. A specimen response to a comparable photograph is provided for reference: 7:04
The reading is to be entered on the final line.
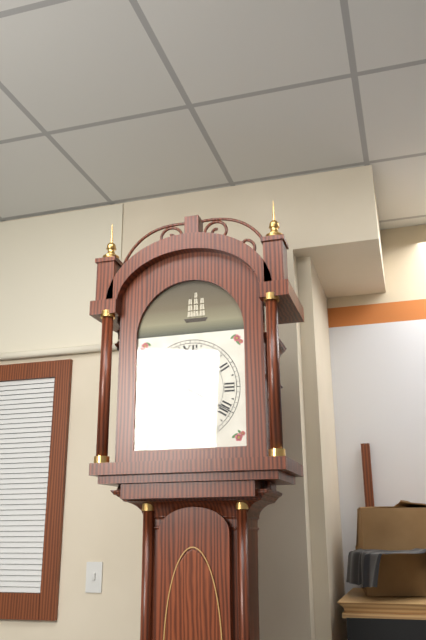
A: 11:20
